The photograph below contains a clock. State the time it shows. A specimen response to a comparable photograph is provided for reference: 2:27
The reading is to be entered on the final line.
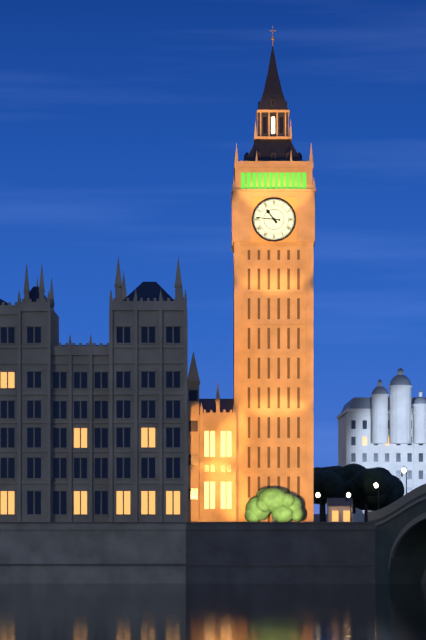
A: 10:46
